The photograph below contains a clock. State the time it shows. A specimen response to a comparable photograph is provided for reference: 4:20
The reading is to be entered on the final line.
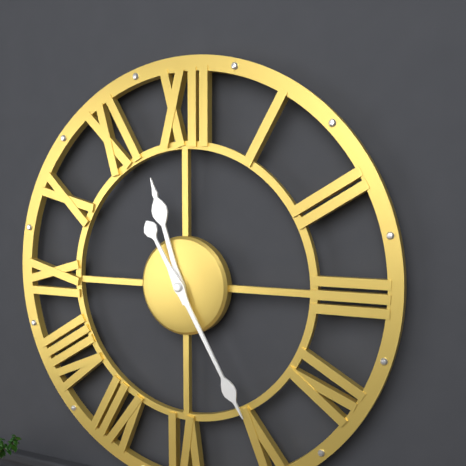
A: 11:25
